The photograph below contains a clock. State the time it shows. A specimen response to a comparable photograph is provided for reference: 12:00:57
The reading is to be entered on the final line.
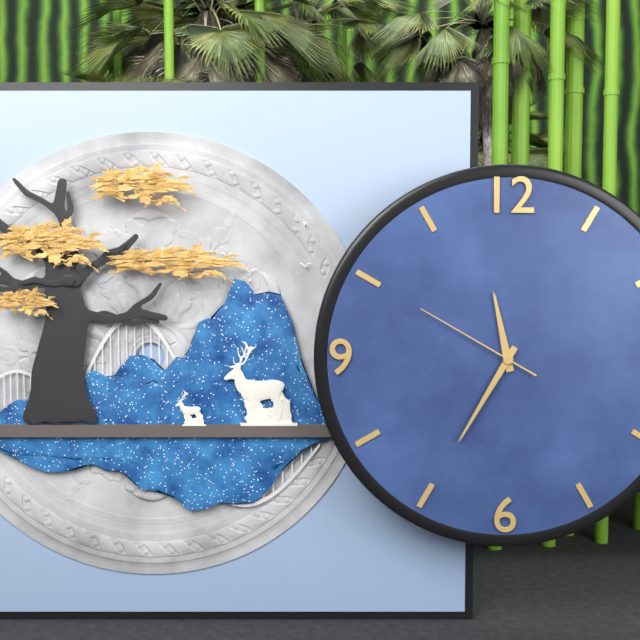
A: 11:35:50
